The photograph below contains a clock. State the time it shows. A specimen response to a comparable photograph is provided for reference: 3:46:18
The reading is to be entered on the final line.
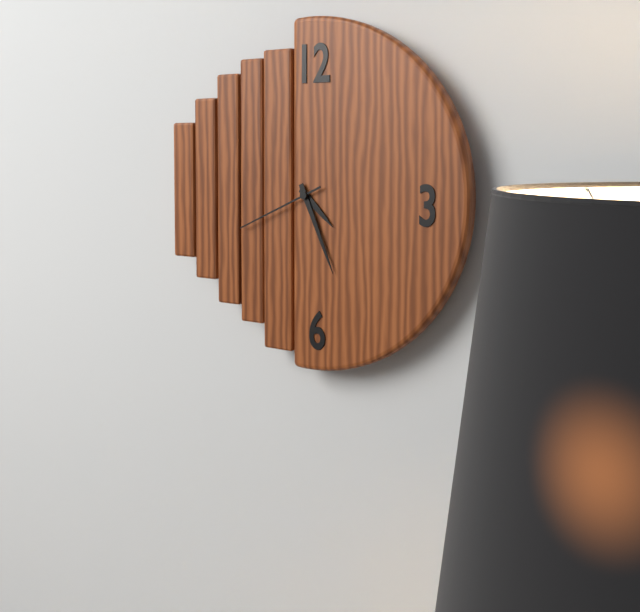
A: 4:26:41
